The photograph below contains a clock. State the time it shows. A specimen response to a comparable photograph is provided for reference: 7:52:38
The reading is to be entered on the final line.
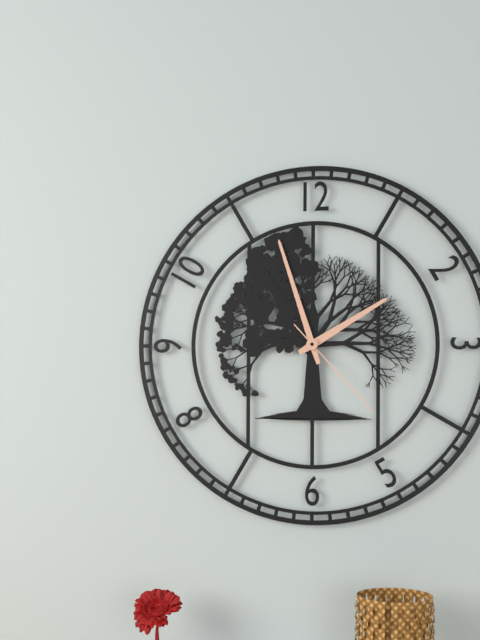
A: 1:57:23
